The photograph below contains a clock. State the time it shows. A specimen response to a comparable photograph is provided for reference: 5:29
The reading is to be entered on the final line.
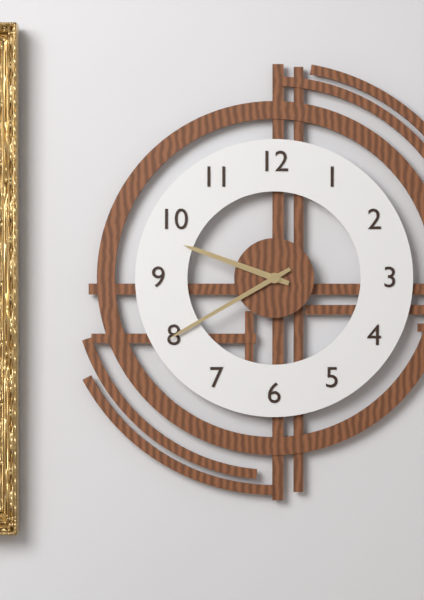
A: 9:40
